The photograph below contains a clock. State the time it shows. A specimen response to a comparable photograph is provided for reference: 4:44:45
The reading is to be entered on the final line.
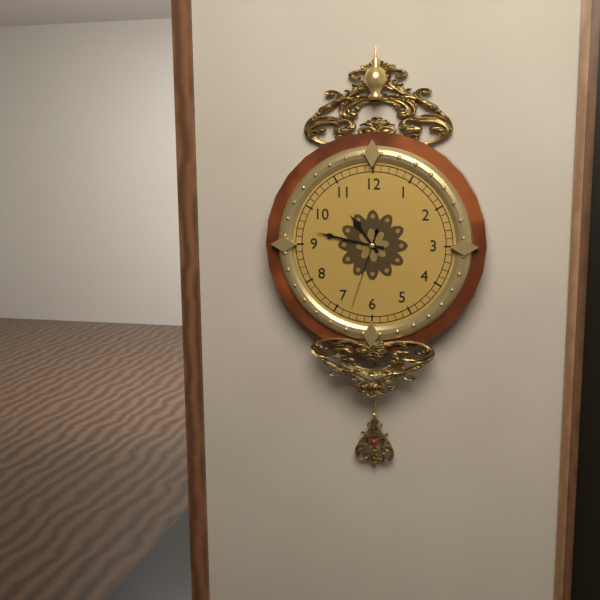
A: 10:47:33
